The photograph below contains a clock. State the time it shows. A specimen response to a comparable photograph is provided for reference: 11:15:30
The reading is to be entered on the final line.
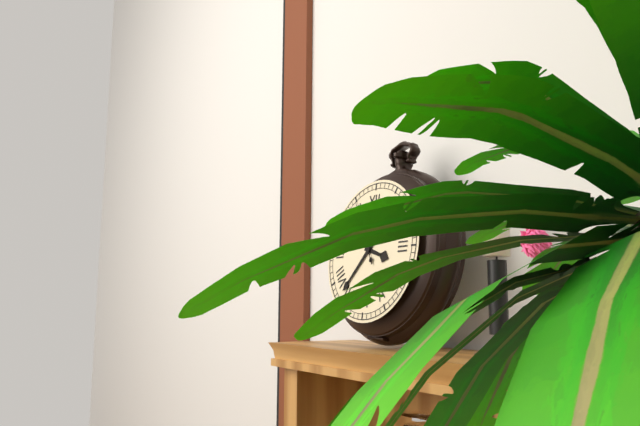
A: 3:37:55
